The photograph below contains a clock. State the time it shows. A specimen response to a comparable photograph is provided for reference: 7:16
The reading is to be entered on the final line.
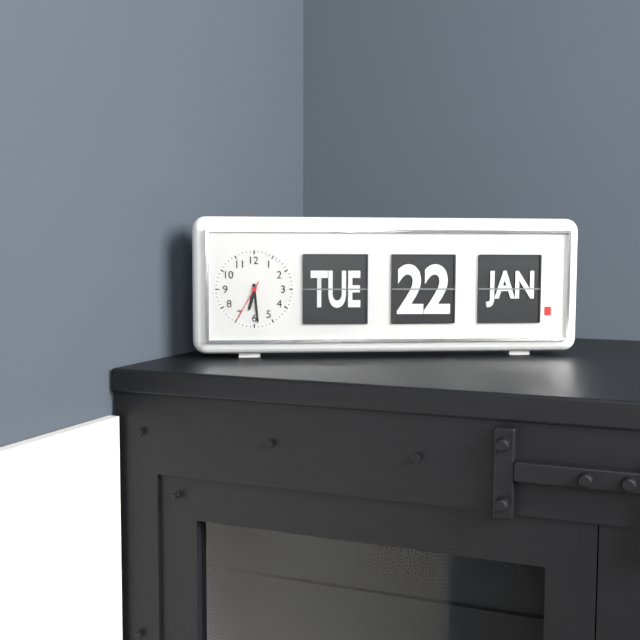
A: 6:29
